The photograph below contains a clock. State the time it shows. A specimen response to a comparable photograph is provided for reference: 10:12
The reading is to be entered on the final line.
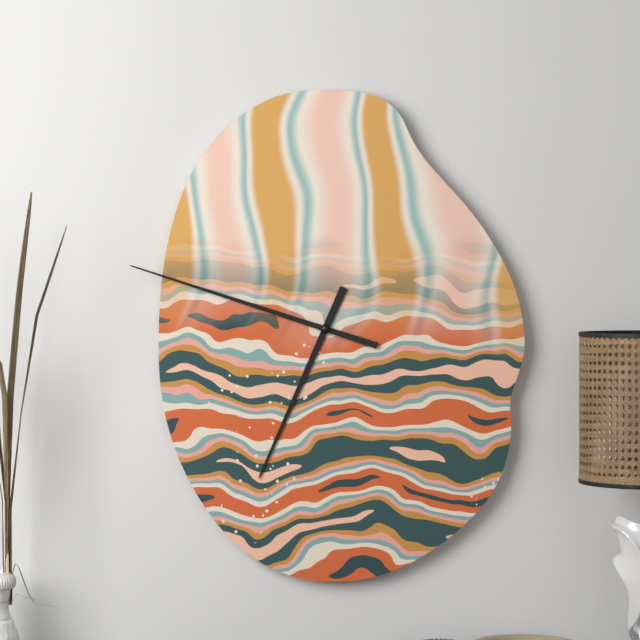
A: 6:48
